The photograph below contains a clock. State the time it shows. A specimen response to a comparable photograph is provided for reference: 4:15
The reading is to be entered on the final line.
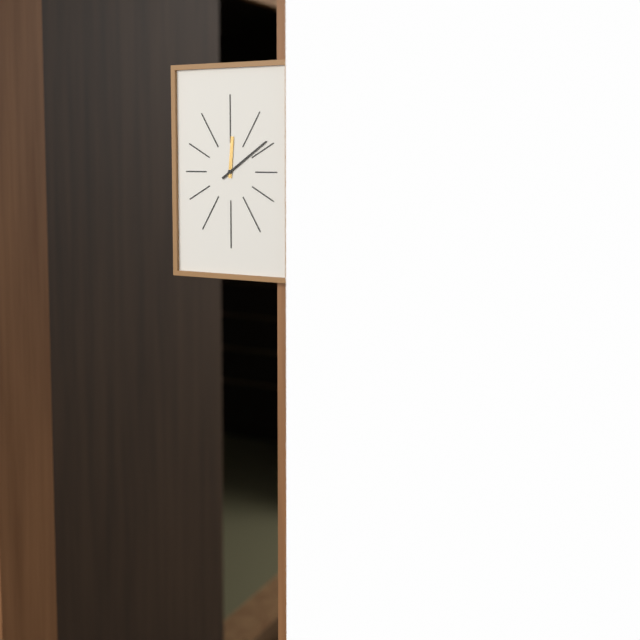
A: 12:09
